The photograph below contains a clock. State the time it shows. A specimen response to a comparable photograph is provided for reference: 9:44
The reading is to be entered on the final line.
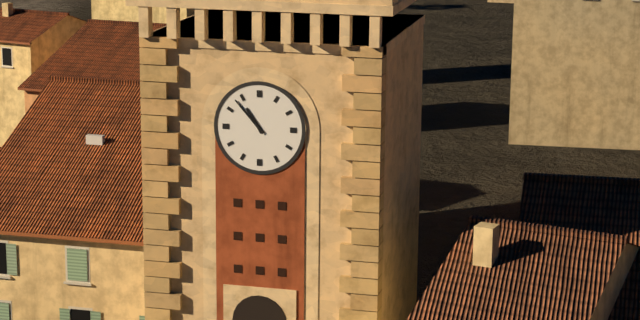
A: 10:53
